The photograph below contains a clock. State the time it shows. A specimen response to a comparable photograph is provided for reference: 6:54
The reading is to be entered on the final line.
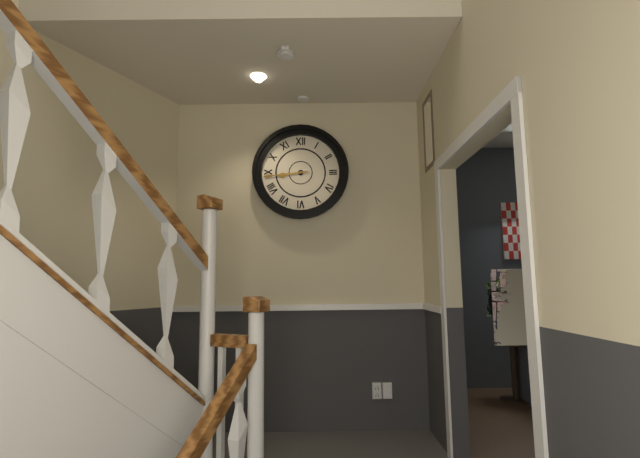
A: 8:44
